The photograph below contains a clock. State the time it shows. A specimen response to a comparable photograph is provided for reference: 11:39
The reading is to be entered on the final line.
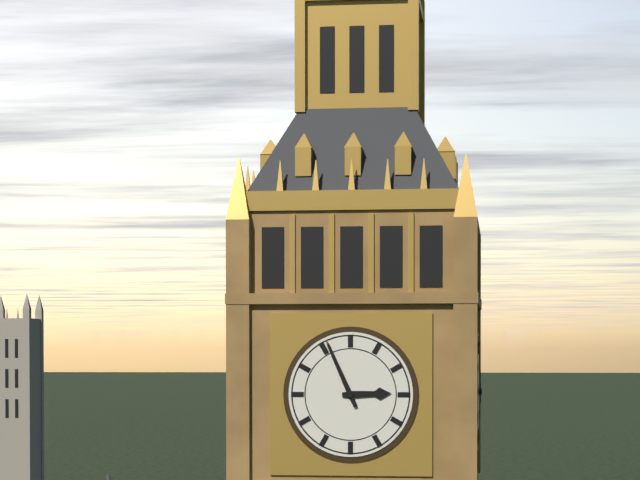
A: 2:56
